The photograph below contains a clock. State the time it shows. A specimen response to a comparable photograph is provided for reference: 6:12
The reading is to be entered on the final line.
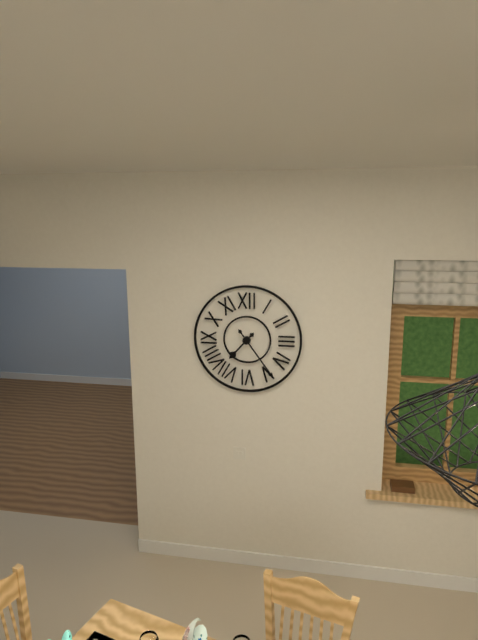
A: 7:24
